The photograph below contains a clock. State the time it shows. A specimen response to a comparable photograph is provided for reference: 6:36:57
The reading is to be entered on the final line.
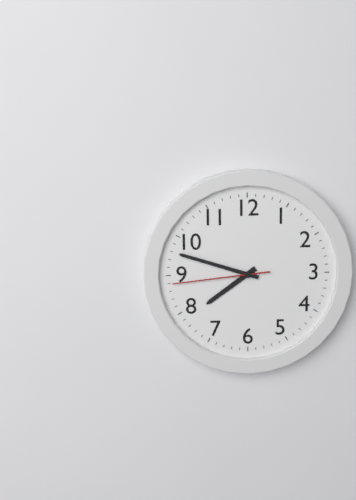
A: 7:48:44
